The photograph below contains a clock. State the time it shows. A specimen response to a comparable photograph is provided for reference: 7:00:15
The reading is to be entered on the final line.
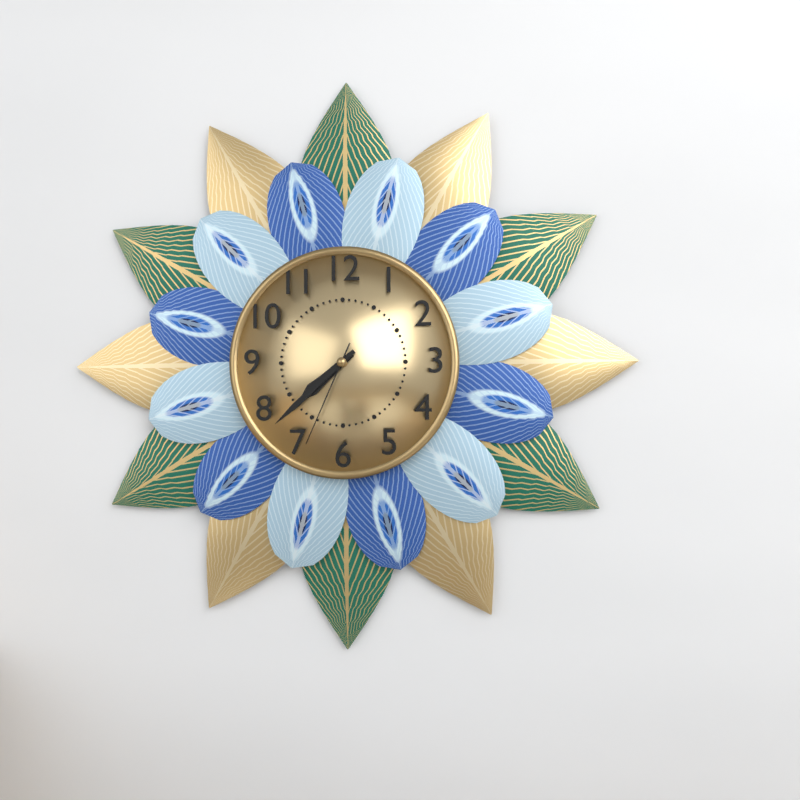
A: 7:38:34
